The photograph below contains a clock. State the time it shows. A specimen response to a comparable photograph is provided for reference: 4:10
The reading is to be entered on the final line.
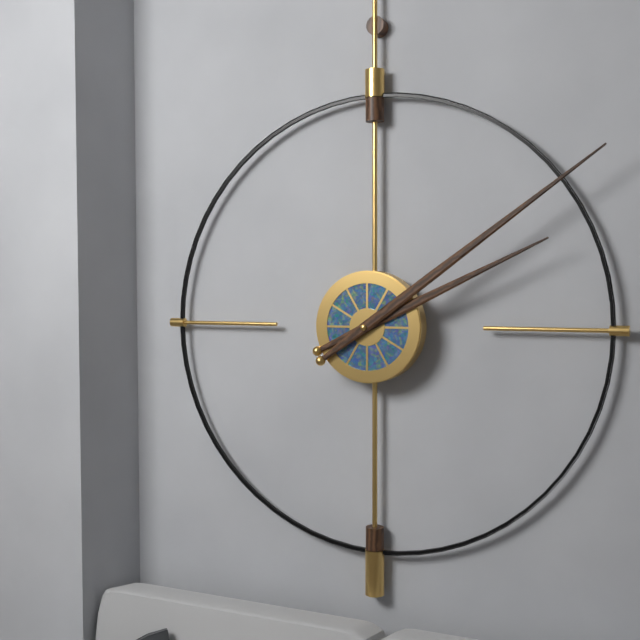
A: 2:09
